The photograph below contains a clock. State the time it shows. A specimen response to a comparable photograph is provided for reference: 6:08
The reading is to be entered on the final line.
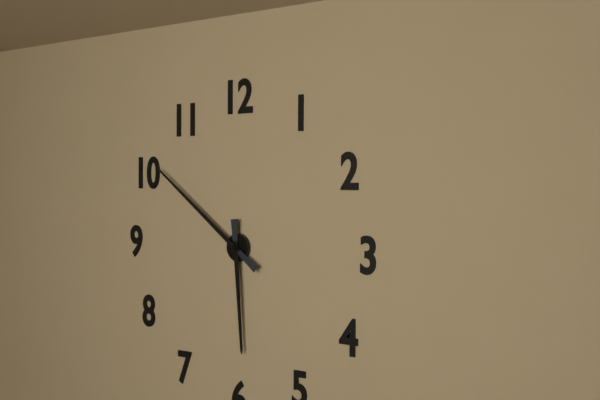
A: 5:51
